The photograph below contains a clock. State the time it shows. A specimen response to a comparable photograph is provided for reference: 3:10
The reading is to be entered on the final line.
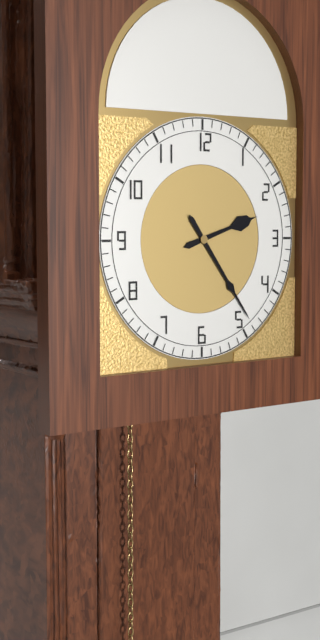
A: 2:24
